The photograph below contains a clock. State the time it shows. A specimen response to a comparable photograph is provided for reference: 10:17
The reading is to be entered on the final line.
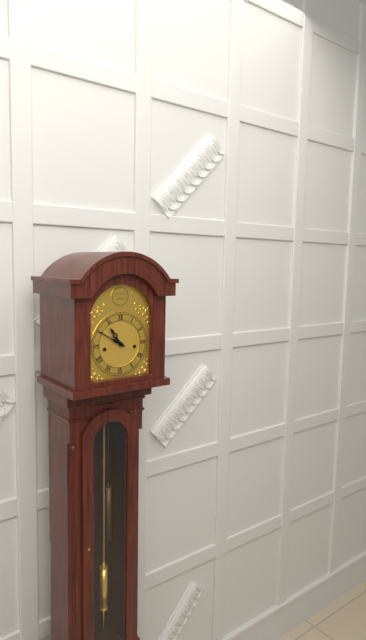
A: 10:50
